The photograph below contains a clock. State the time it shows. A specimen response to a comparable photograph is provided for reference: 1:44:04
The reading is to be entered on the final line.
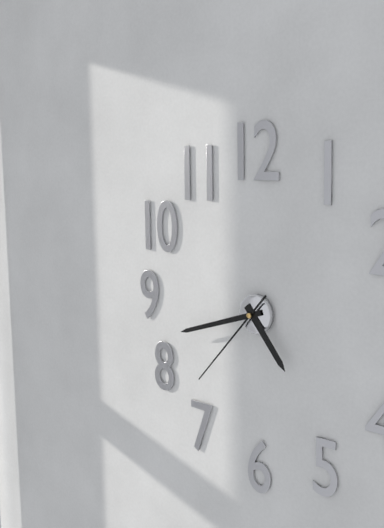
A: 4:42:37
